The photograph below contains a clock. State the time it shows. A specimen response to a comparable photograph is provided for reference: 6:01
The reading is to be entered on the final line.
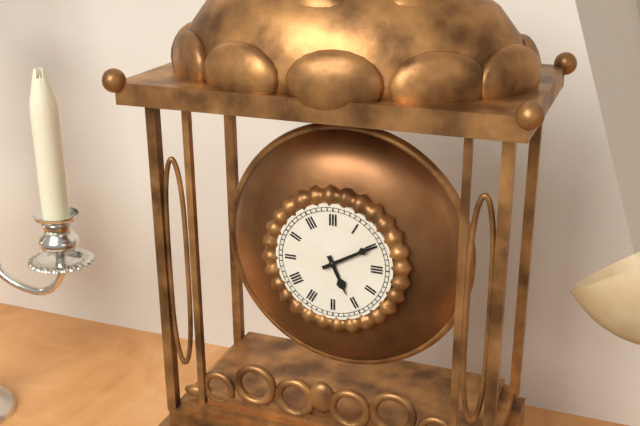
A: 5:10
